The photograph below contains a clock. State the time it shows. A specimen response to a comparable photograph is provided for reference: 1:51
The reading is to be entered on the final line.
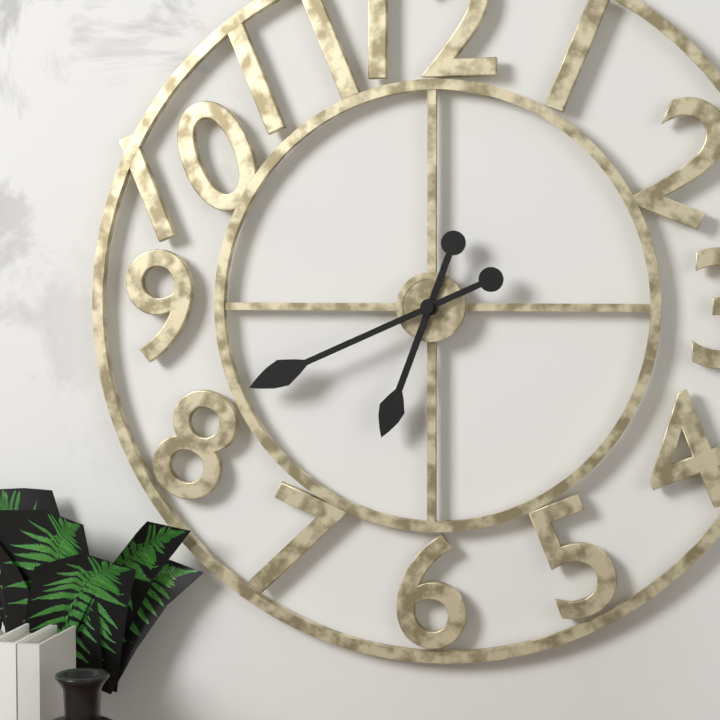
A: 6:41
